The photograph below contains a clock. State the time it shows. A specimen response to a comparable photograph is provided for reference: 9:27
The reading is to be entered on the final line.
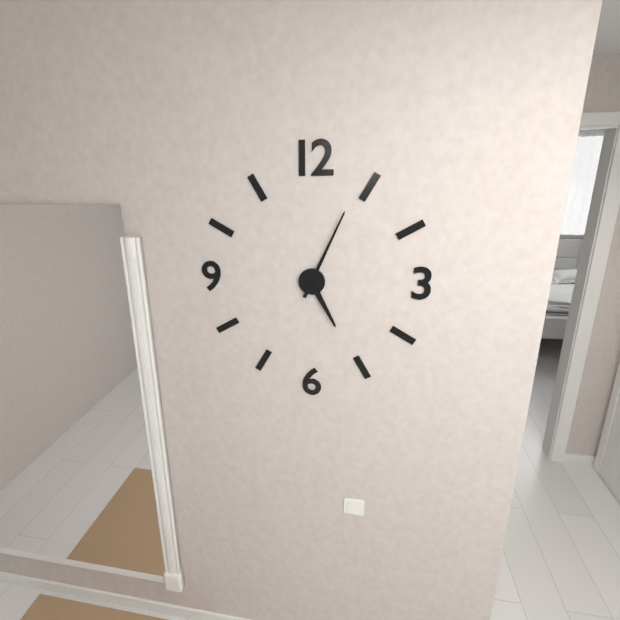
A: 5:04
